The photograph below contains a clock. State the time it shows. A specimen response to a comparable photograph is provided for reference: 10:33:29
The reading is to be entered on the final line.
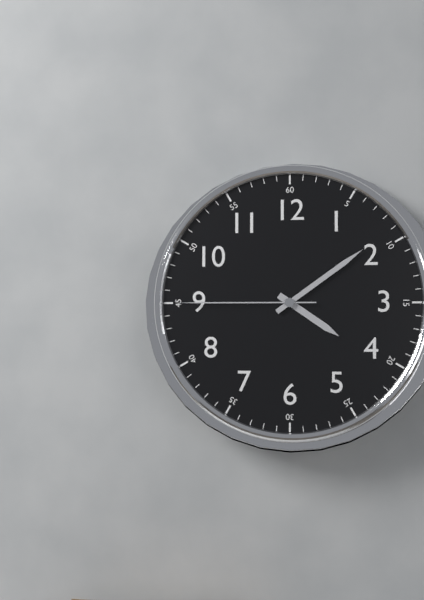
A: 4:09:45
